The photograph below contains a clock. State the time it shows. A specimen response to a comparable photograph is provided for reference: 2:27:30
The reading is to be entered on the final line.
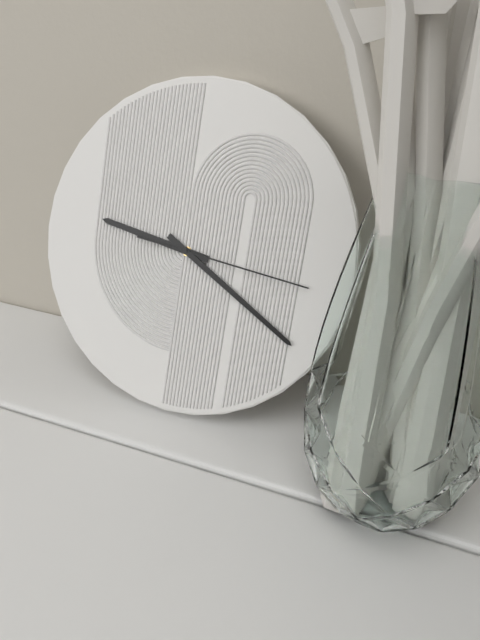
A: 9:20:16
